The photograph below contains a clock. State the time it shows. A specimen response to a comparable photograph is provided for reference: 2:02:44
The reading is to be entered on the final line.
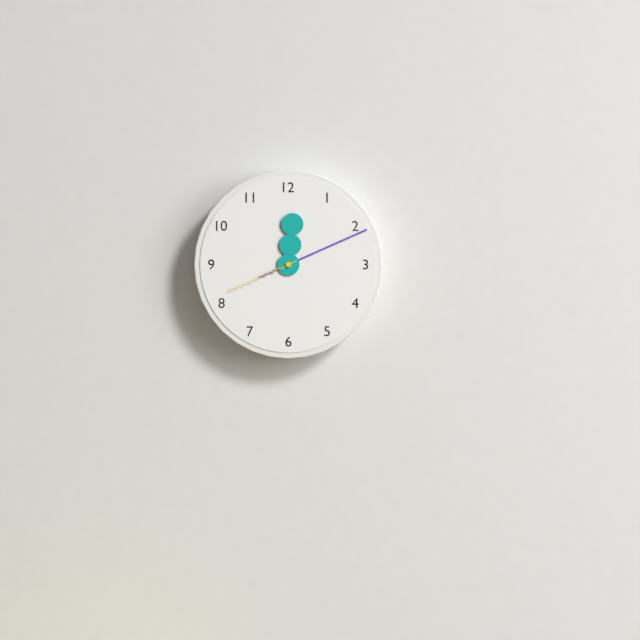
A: 12:11:41
